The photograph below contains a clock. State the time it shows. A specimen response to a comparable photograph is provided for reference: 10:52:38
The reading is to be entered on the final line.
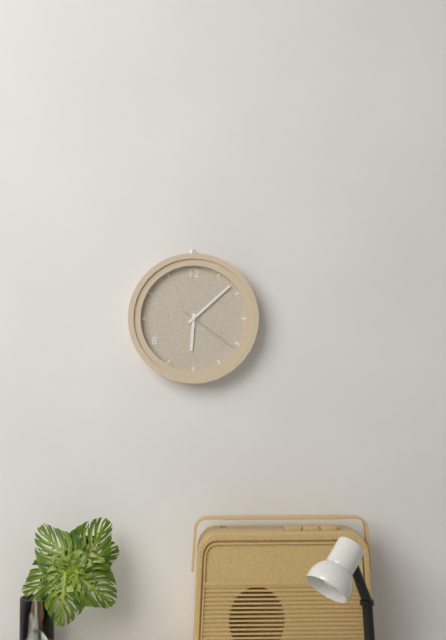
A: 6:08:21
